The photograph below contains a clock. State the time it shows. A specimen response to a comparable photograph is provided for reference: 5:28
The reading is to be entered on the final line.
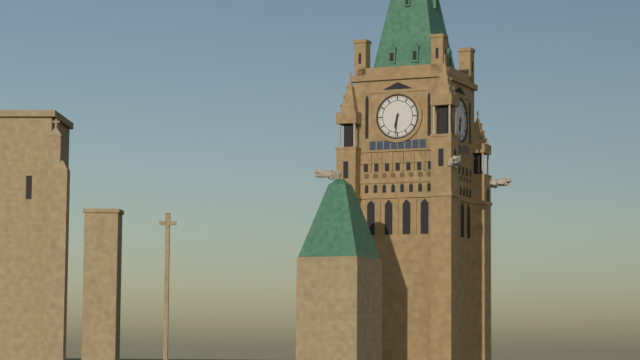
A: 6:31
